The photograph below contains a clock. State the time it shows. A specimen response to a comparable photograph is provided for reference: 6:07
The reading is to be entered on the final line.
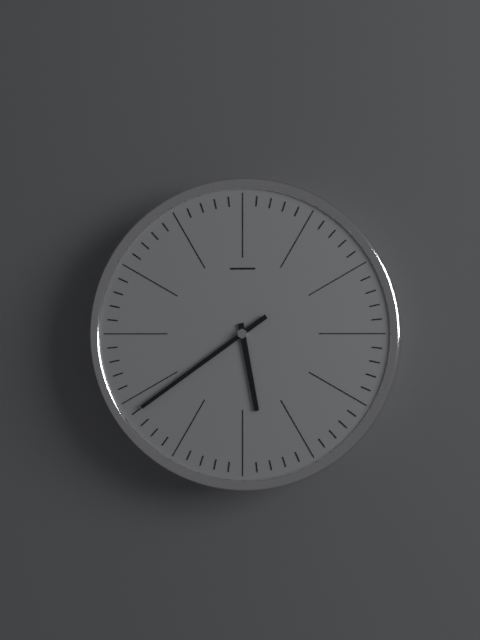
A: 5:39
